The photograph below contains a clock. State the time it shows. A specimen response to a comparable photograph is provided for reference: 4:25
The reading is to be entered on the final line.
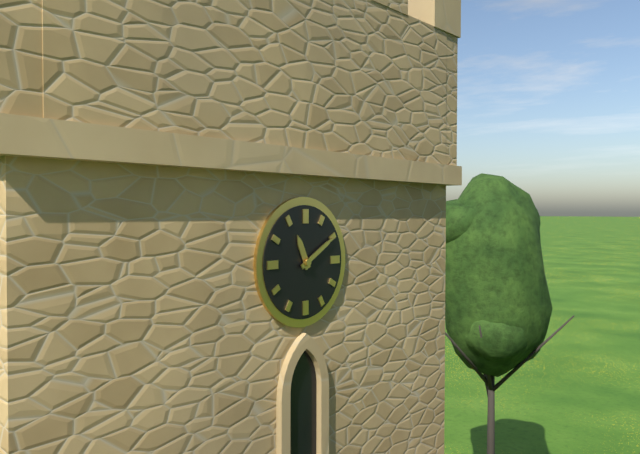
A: 11:10
